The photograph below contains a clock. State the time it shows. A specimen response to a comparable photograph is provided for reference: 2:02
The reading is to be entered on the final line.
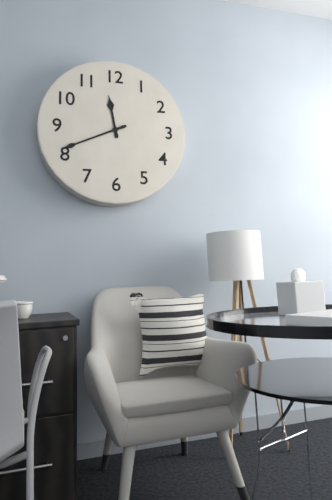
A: 11:41
